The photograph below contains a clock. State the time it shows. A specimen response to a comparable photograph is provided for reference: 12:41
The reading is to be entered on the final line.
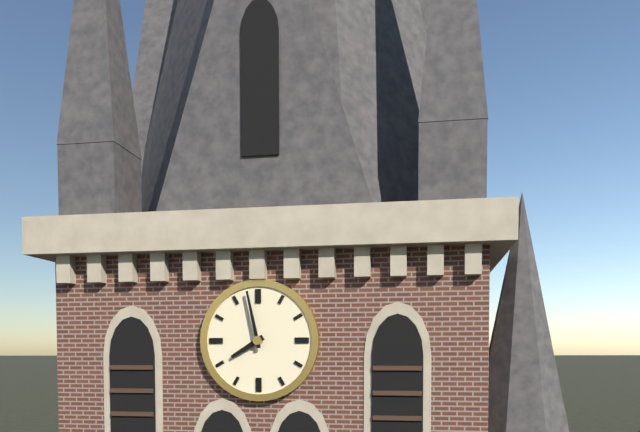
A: 7:58
